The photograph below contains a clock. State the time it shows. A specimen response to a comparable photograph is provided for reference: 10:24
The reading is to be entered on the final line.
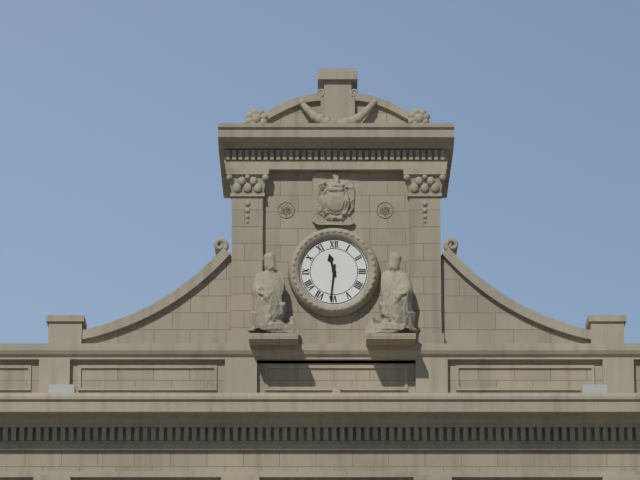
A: 11:31
